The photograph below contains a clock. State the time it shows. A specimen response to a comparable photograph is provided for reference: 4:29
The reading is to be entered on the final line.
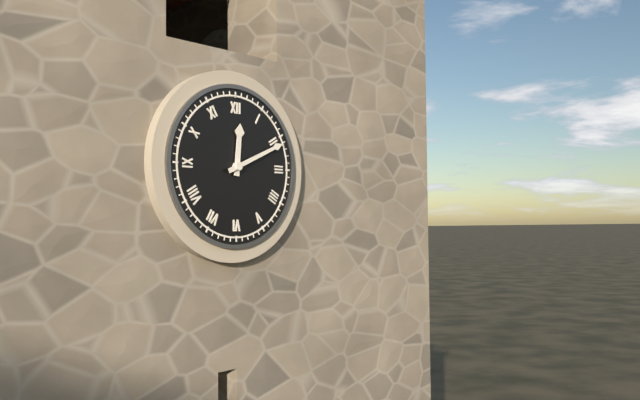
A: 12:11
